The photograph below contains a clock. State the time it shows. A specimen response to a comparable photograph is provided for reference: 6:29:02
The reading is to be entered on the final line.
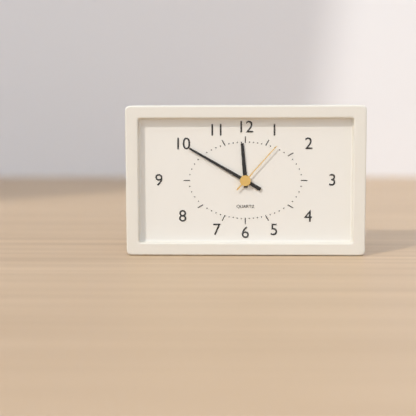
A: 11:50:07
